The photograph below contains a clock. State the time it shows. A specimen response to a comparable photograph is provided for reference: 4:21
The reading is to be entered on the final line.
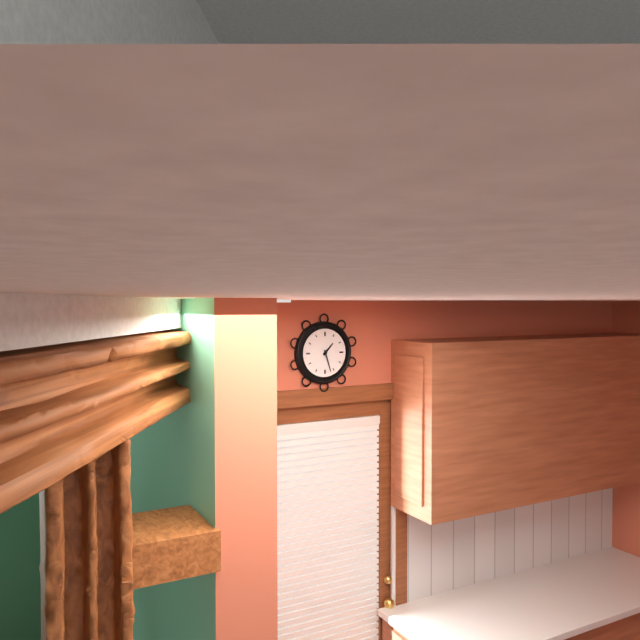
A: 1:27
